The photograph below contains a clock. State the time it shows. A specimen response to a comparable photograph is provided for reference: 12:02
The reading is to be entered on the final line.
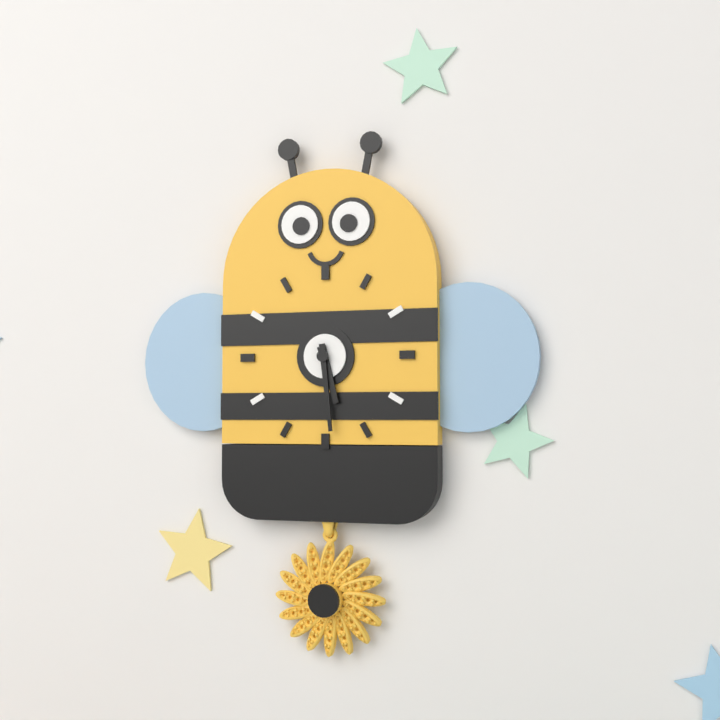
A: 5:29
